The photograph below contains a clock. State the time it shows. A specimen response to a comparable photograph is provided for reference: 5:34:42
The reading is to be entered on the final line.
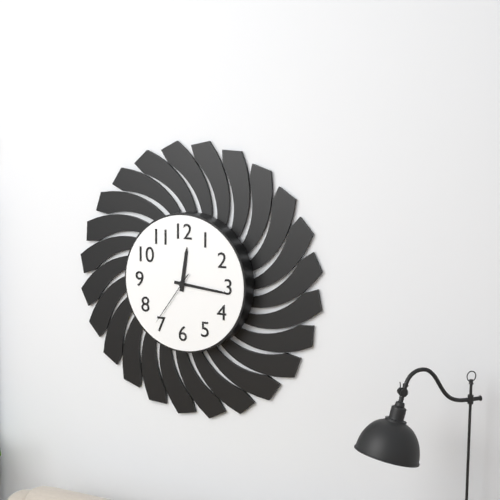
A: 12:16:36
